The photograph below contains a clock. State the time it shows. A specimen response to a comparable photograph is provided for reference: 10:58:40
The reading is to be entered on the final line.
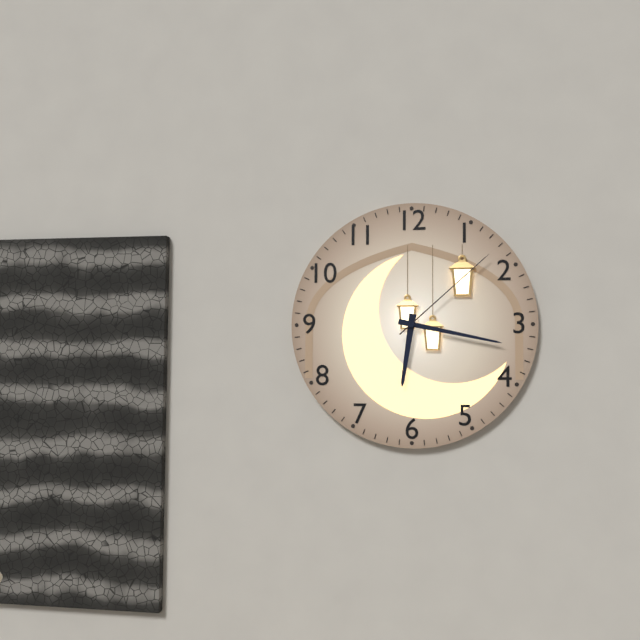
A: 6:17:08
